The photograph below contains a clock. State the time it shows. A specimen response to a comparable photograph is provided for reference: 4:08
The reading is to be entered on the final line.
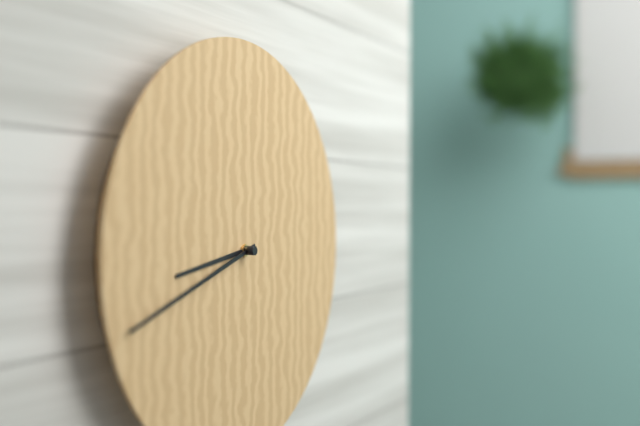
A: 8:42
